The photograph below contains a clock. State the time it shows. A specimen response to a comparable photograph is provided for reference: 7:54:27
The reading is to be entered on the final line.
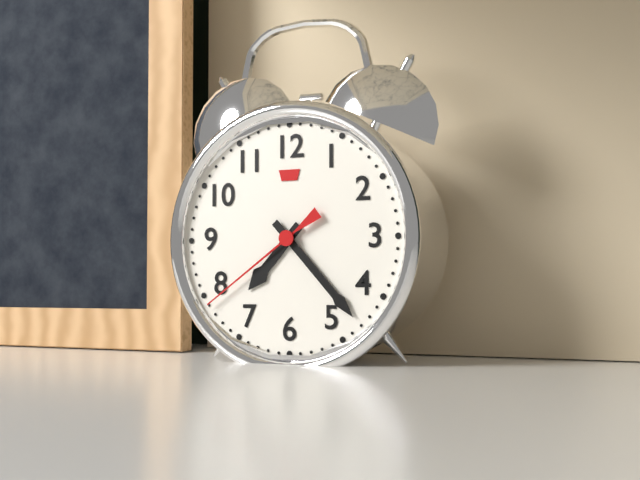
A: 7:23:39
